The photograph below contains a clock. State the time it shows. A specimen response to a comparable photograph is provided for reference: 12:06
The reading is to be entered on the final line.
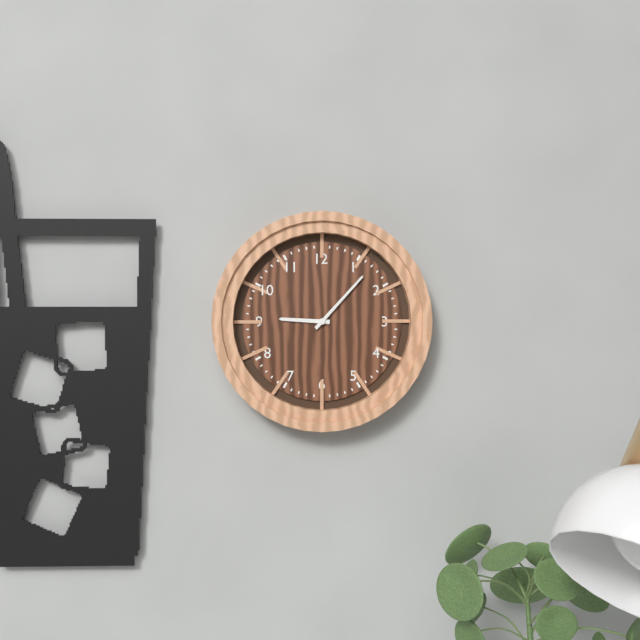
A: 9:07
